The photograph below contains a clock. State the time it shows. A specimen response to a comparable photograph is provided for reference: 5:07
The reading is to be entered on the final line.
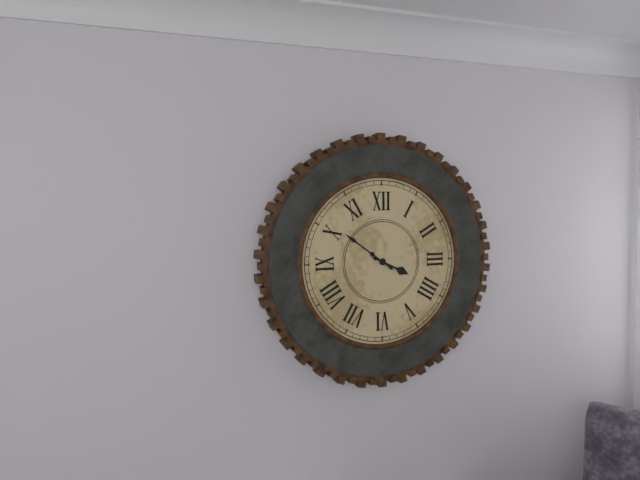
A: 3:51
